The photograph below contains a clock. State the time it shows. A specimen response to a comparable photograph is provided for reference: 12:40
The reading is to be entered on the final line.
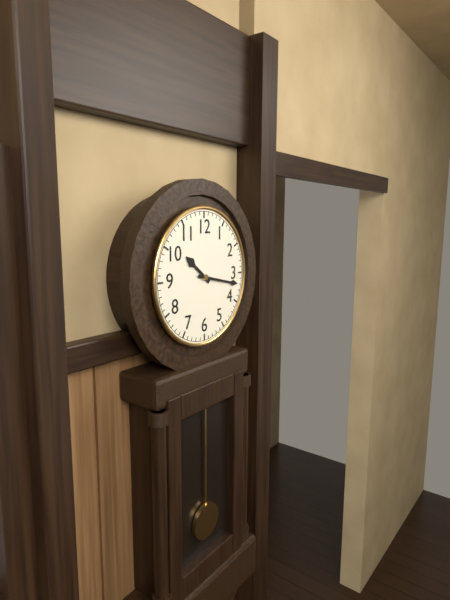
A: 10:17
